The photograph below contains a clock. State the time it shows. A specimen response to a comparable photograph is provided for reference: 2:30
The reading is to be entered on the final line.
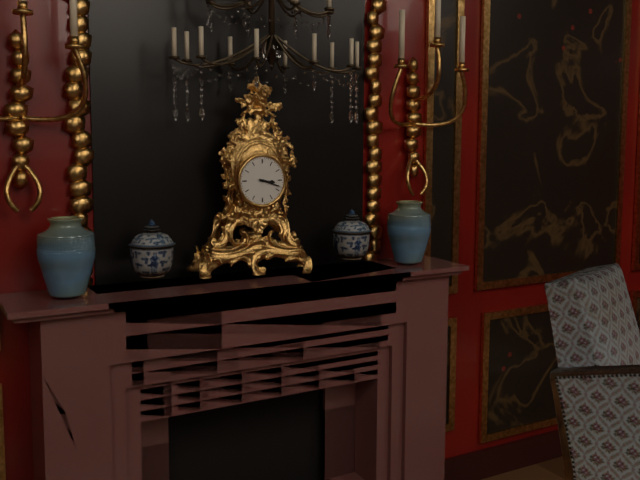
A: 3:18
